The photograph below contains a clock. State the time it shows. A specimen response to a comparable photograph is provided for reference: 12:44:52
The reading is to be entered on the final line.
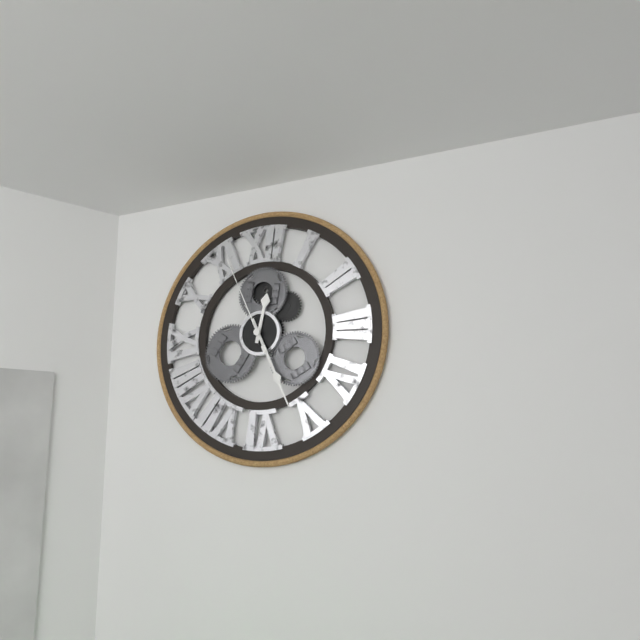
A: 12:26:56
